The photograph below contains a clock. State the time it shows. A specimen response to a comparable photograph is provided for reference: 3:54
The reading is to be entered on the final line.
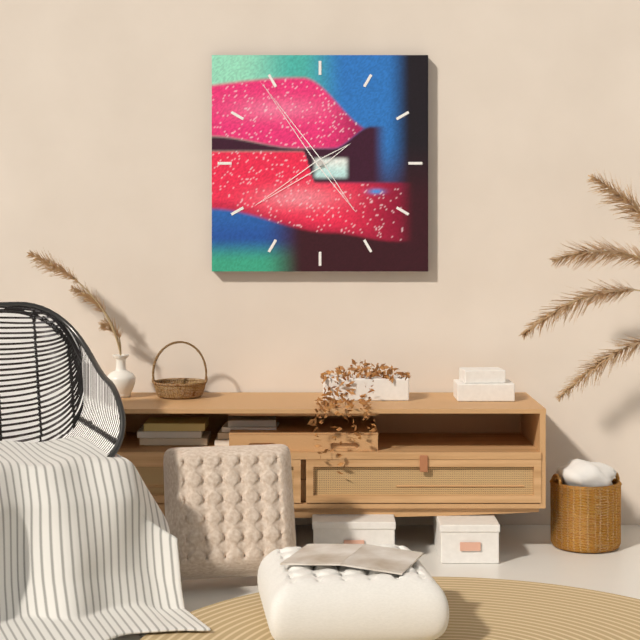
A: 7:54
